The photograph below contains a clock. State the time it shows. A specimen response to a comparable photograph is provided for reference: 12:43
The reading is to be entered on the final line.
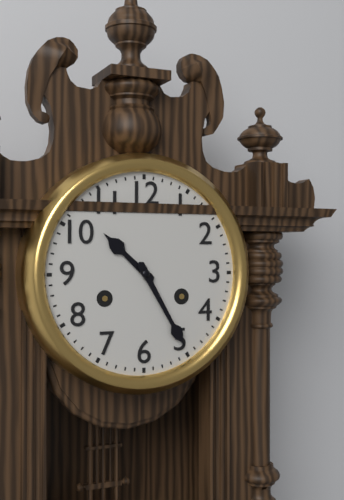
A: 10:25
